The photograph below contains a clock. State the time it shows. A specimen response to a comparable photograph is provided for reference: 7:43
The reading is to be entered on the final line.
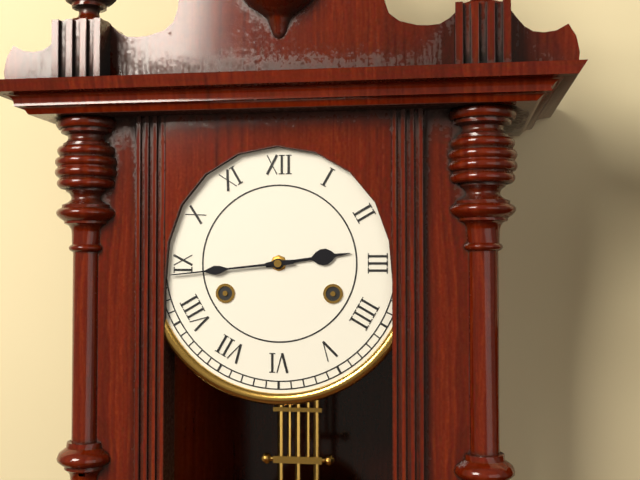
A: 2:44
